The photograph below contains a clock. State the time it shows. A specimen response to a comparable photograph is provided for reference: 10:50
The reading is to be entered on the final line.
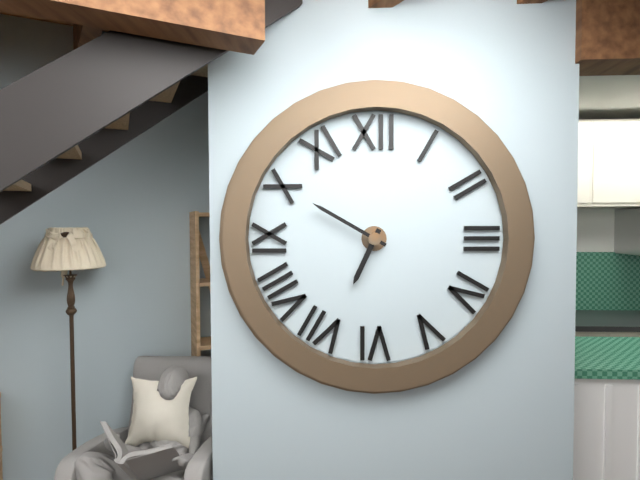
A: 6:50
